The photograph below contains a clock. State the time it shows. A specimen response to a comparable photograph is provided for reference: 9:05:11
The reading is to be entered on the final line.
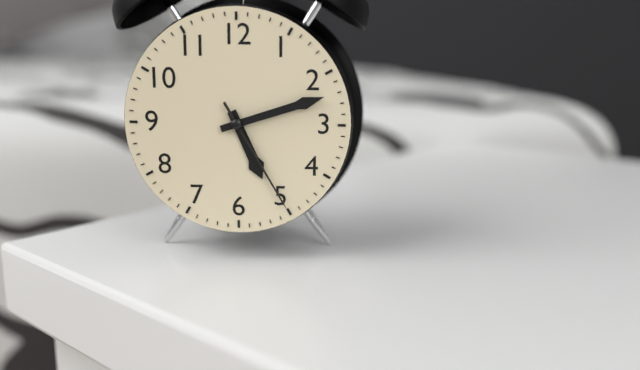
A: 5:12:25
